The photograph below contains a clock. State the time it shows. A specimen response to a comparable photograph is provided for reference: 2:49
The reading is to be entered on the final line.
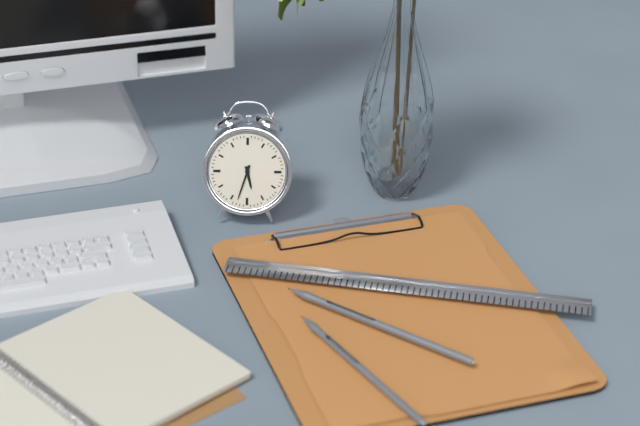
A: 5:33
